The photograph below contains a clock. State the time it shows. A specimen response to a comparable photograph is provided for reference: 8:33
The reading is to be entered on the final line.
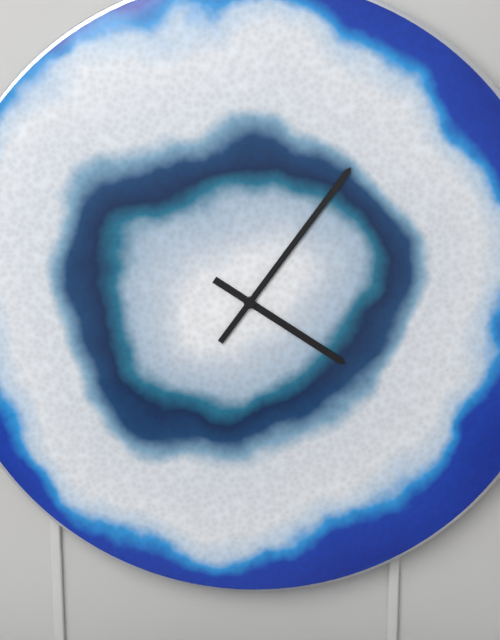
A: 4:06
